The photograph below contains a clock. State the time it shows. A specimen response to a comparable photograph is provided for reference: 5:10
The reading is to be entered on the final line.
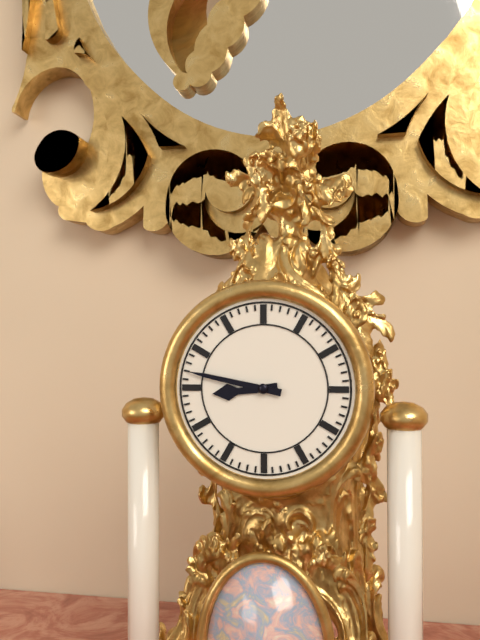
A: 8:47
